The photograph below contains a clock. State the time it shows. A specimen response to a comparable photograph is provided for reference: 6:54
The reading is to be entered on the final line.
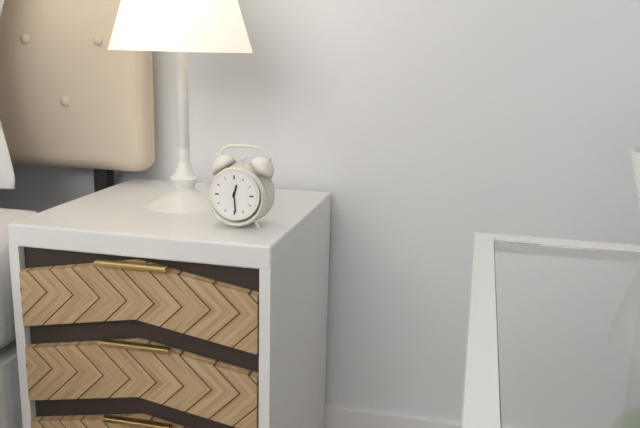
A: 12:29
